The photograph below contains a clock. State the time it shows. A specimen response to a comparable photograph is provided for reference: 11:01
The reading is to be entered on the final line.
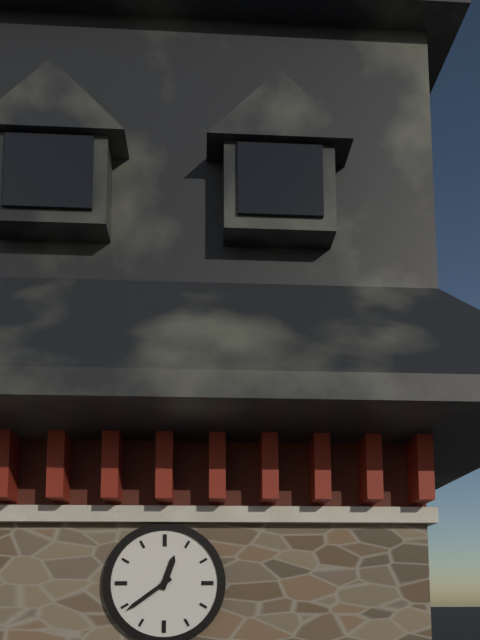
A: 12:39
